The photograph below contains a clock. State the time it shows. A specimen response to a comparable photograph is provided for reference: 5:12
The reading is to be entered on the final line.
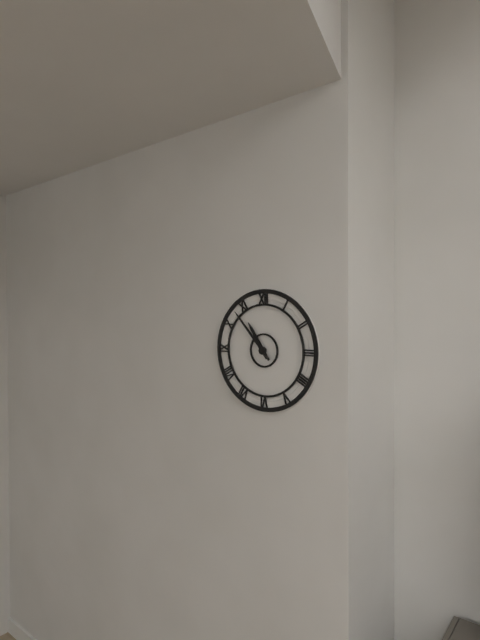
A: 10:53
